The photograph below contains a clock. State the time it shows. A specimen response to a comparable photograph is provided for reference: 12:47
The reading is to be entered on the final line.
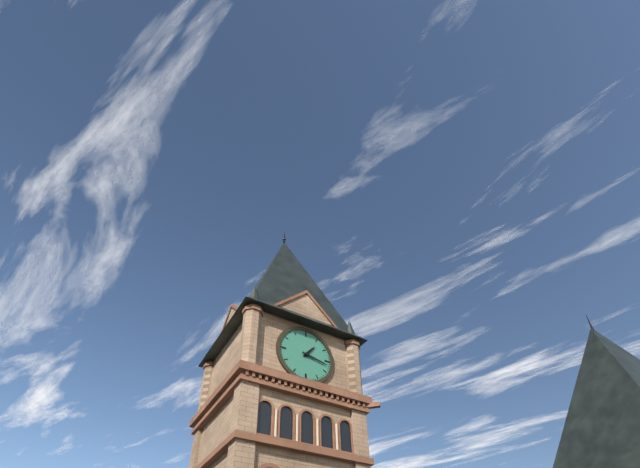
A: 1:17
